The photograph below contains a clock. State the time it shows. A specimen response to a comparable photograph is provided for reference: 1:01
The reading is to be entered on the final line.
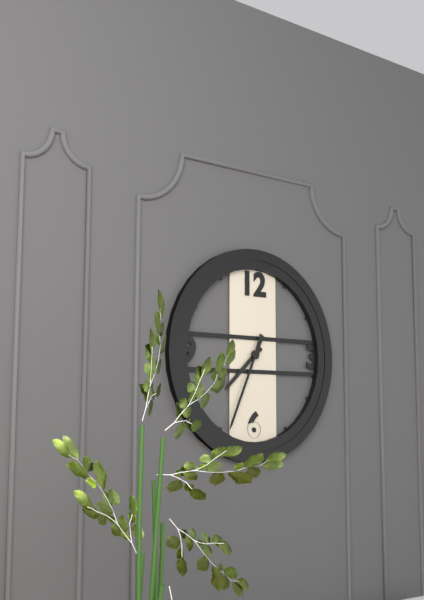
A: 7:34
